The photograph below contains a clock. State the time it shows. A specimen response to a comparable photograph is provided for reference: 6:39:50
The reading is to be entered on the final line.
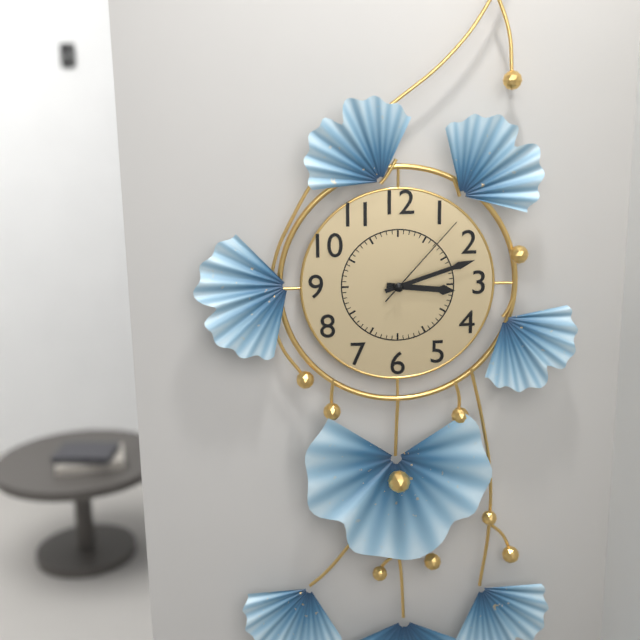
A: 3:12:07
